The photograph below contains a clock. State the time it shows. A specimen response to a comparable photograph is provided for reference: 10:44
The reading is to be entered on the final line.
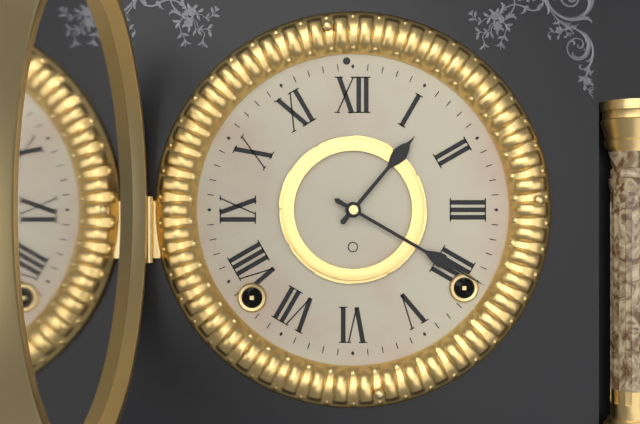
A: 1:20
